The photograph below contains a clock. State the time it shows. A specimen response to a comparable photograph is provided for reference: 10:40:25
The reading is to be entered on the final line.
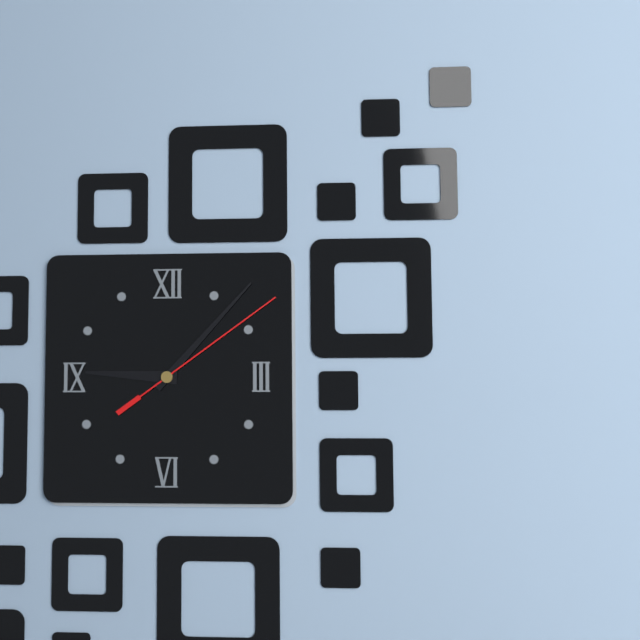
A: 9:07:09
